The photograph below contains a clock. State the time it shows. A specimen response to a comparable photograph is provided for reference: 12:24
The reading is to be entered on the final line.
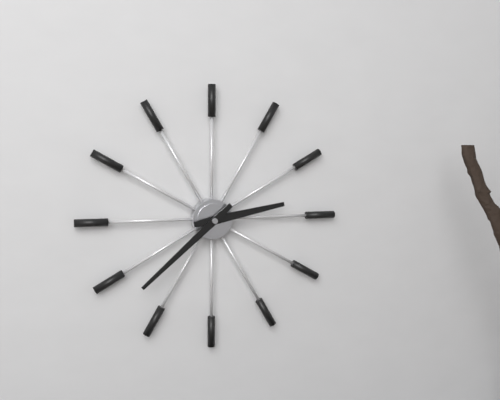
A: 2:38
